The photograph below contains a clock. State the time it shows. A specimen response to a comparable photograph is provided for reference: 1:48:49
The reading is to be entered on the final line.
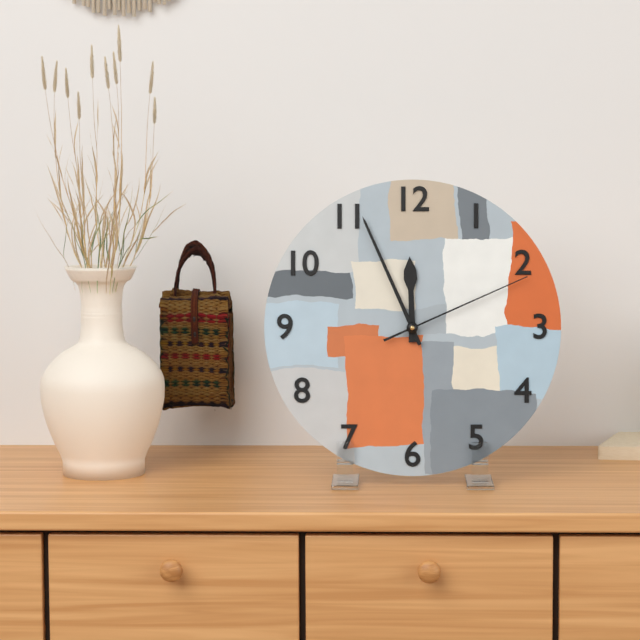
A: 11:56:11
